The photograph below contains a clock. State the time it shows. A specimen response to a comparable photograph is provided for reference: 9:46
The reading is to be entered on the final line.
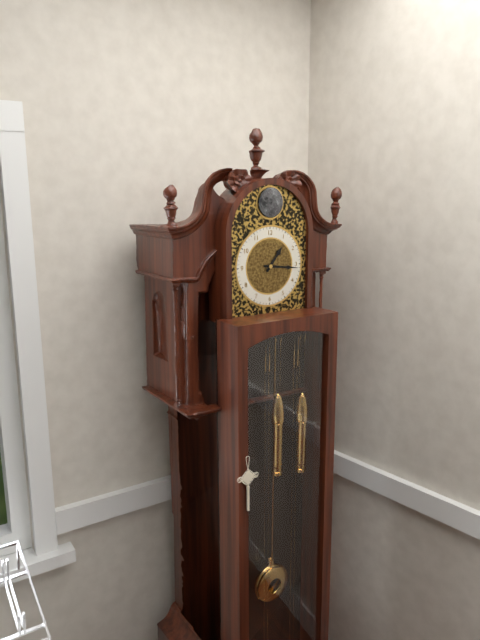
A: 1:16
